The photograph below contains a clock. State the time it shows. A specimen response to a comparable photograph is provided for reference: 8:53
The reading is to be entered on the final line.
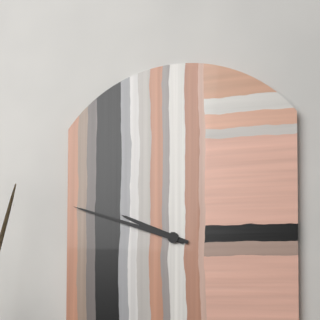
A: 9:48
